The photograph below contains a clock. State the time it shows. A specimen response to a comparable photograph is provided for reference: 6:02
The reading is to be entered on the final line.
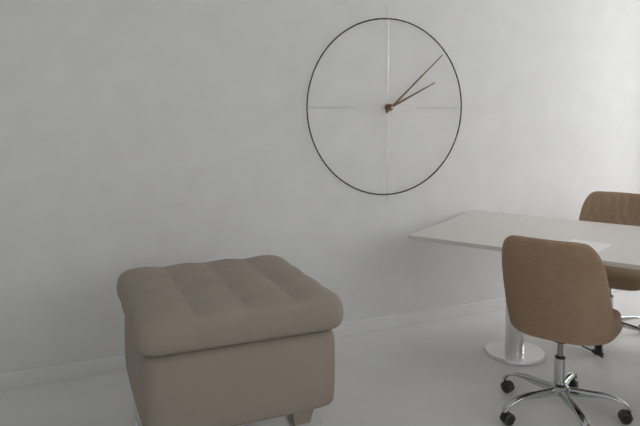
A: 2:08
